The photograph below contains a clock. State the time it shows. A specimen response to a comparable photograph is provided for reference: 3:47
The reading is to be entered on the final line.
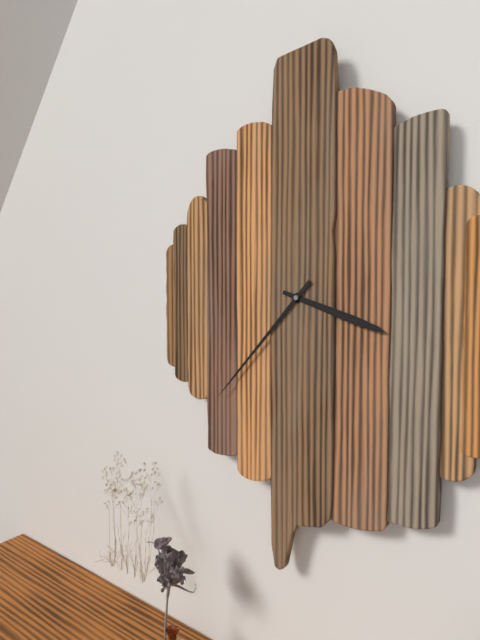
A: 3:37
